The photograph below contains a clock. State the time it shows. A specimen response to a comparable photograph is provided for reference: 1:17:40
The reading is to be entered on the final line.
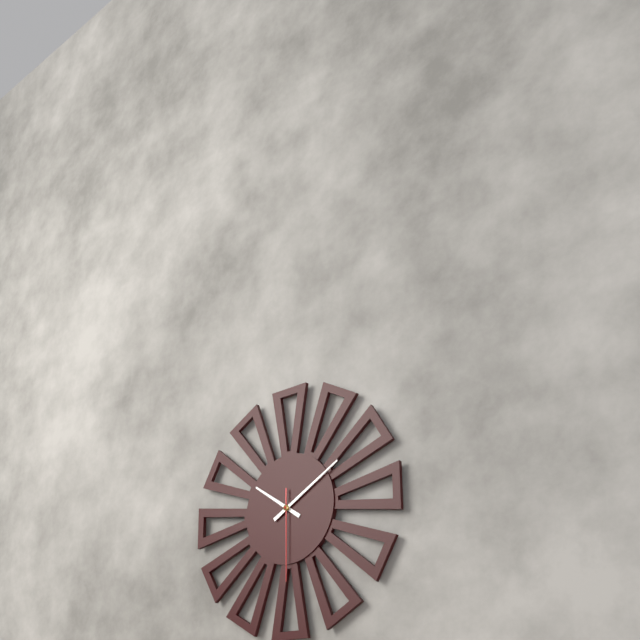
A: 10:10:30
